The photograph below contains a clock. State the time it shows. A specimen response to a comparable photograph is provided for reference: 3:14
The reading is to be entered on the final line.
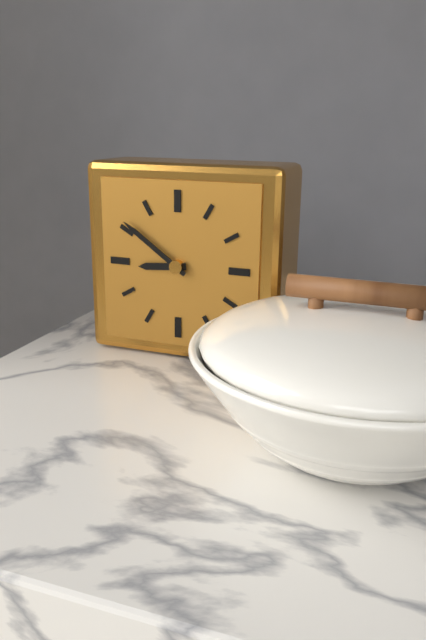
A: 8:51
